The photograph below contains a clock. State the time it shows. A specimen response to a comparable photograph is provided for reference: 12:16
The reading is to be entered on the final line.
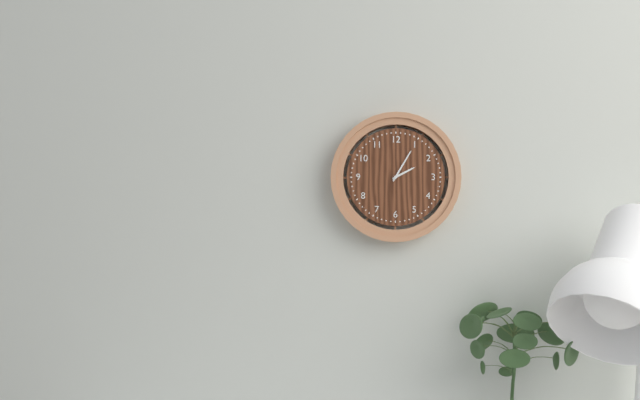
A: 2:05
